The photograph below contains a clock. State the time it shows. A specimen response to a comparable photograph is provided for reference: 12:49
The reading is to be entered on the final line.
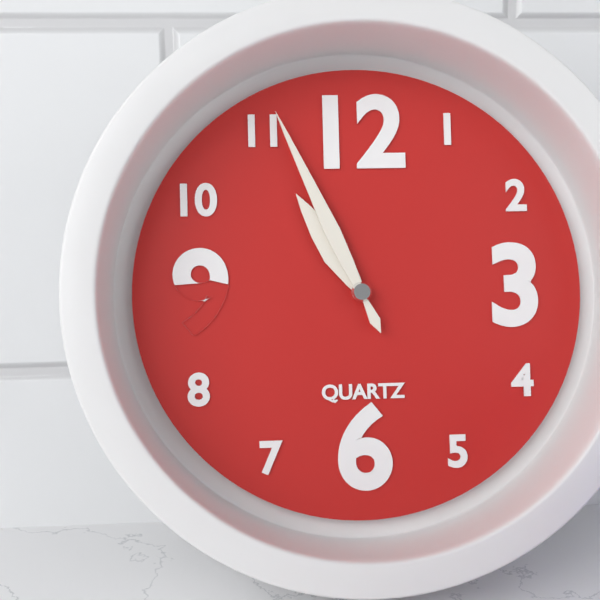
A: 10:56
